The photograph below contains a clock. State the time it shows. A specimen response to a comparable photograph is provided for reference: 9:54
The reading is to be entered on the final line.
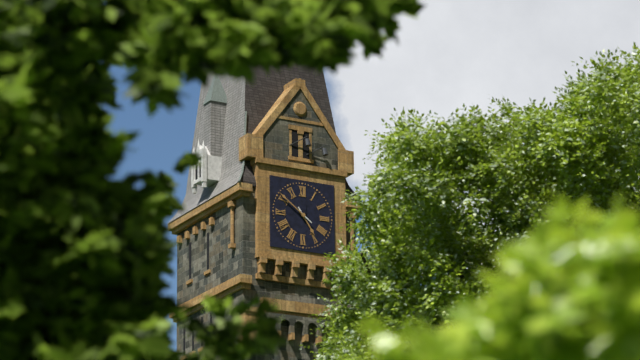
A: 4:51
